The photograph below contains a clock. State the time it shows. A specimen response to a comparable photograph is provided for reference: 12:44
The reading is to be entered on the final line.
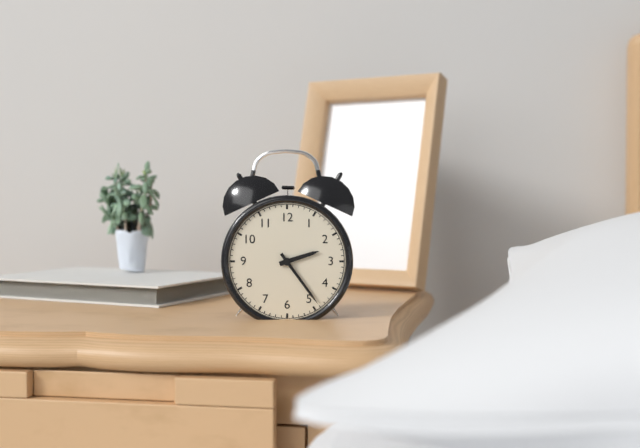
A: 2:24
